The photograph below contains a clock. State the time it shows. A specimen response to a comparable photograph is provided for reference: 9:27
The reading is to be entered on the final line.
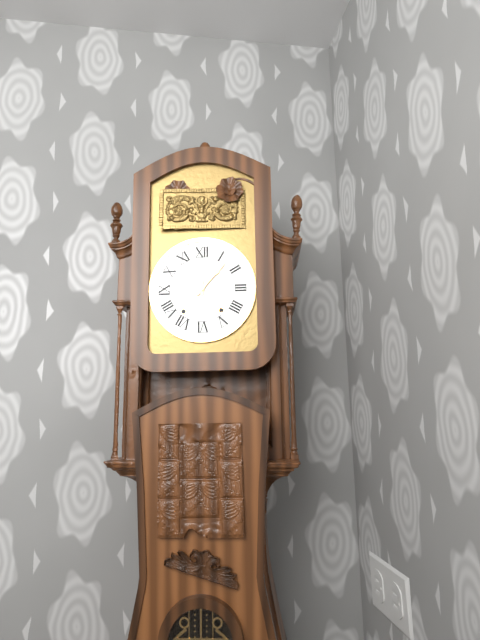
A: 12:07
